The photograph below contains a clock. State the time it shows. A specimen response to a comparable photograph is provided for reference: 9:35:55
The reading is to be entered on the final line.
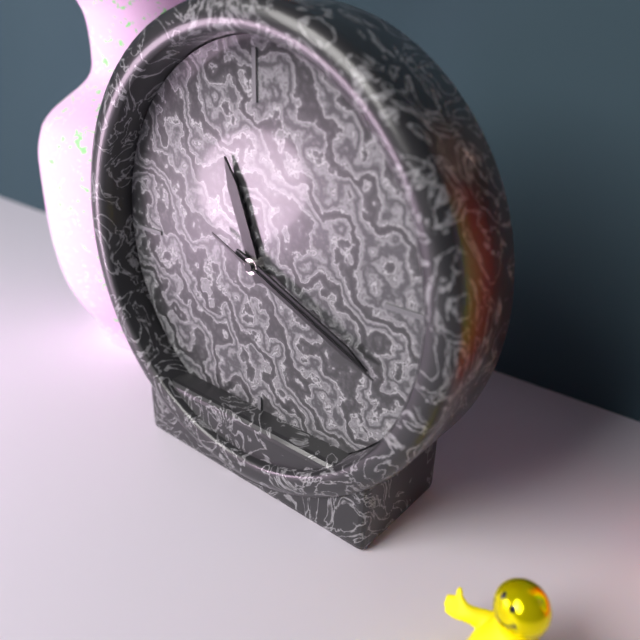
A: 11:19:19
